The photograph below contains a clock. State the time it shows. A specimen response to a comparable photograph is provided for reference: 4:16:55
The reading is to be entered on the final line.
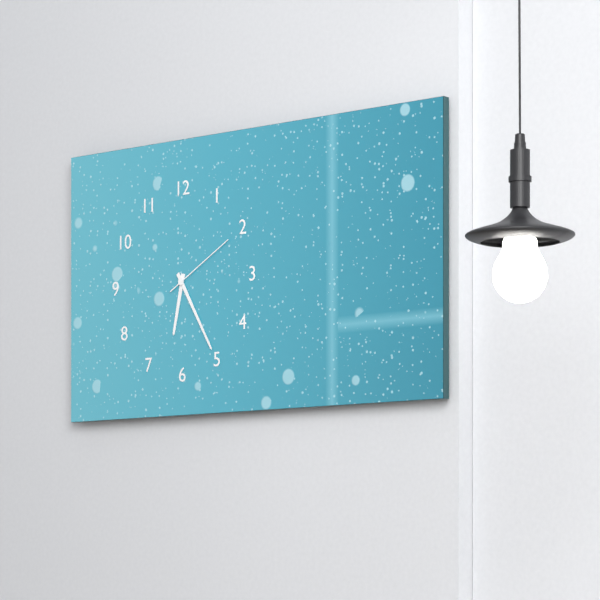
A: 6:25:10
